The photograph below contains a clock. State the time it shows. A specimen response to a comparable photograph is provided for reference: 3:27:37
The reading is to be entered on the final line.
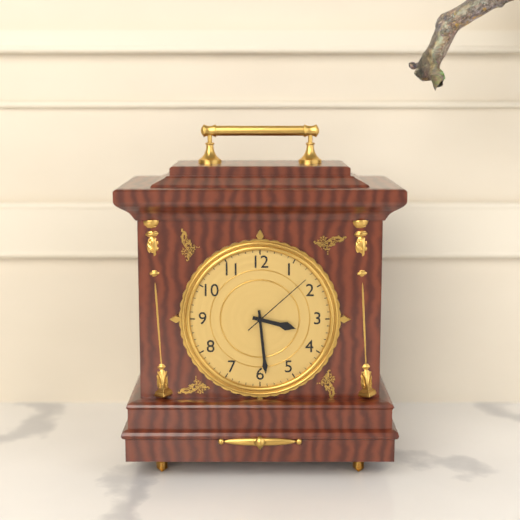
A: 3:29:08
